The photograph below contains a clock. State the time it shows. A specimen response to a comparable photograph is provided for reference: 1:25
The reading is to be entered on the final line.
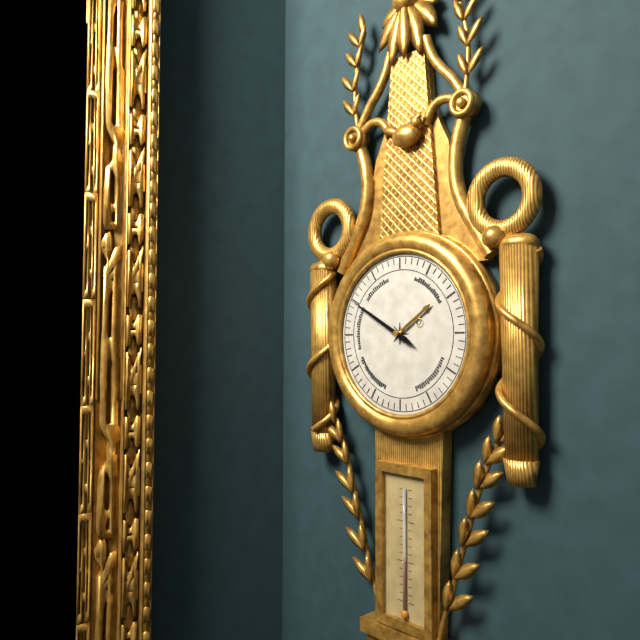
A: 1:50
